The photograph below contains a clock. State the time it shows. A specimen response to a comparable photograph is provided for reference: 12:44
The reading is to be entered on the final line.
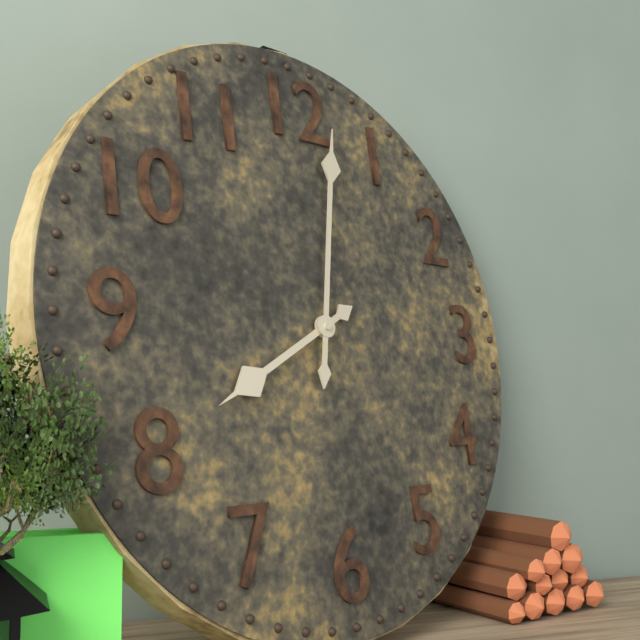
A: 8:02
